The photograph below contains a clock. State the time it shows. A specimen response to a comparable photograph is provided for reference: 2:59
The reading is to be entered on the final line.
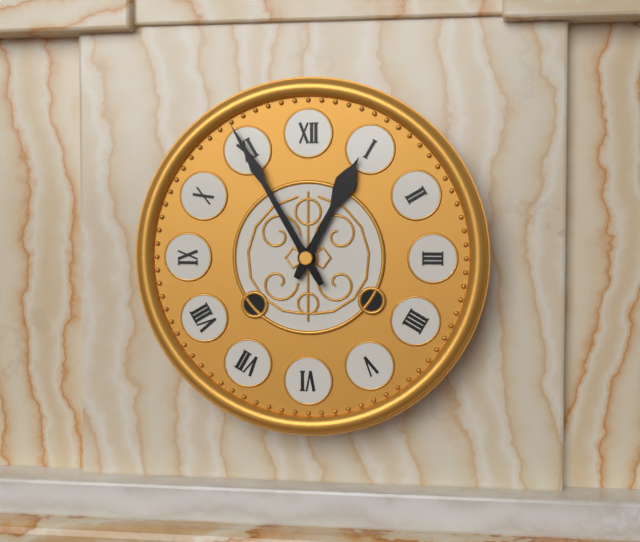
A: 12:55
